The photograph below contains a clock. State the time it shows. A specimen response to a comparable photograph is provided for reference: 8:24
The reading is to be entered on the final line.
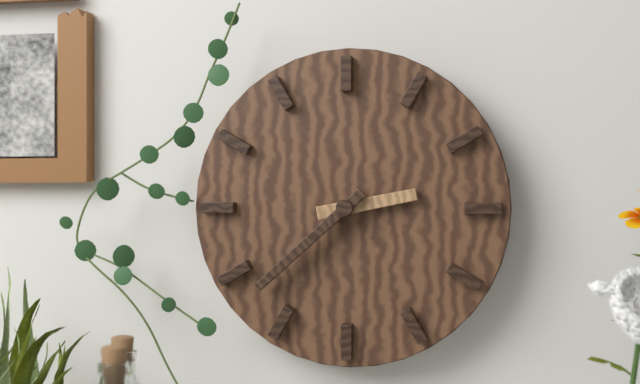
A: 2:38
